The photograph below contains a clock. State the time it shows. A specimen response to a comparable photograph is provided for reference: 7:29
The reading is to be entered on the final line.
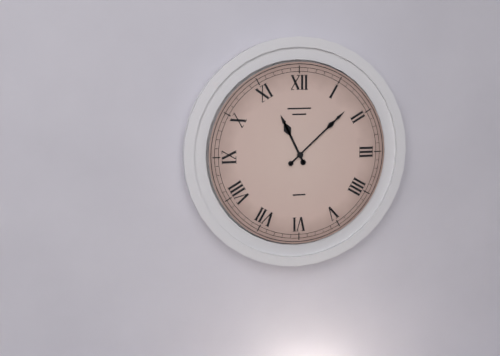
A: 11:08
